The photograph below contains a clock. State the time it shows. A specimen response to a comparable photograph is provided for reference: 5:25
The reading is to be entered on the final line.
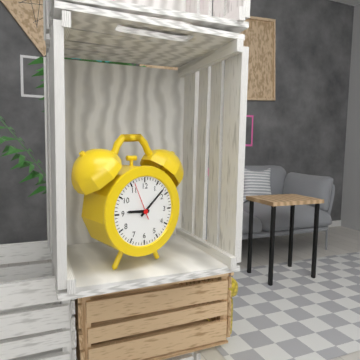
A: 9:08
